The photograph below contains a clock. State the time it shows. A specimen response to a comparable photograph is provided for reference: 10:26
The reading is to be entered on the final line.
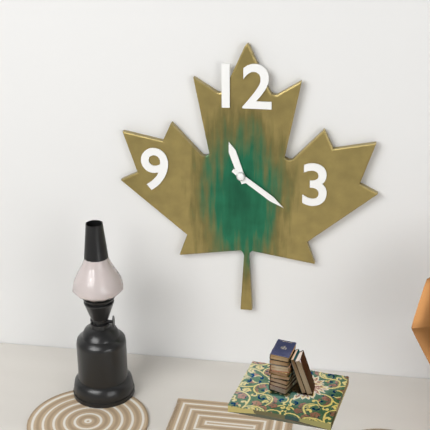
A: 11:21
